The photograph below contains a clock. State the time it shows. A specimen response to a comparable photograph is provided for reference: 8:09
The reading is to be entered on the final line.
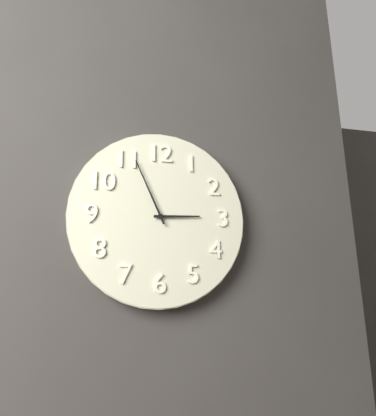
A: 2:56
